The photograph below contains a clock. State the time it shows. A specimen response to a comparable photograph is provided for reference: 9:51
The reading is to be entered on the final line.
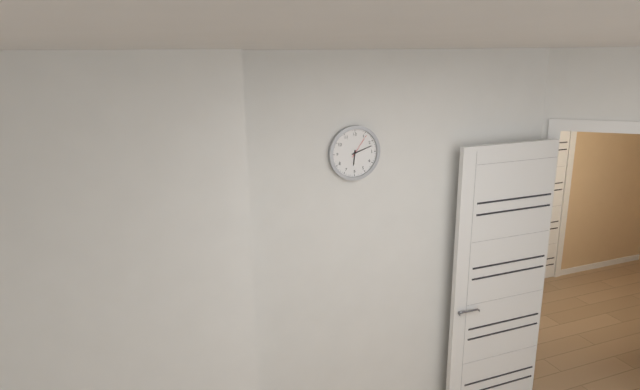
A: 6:12
